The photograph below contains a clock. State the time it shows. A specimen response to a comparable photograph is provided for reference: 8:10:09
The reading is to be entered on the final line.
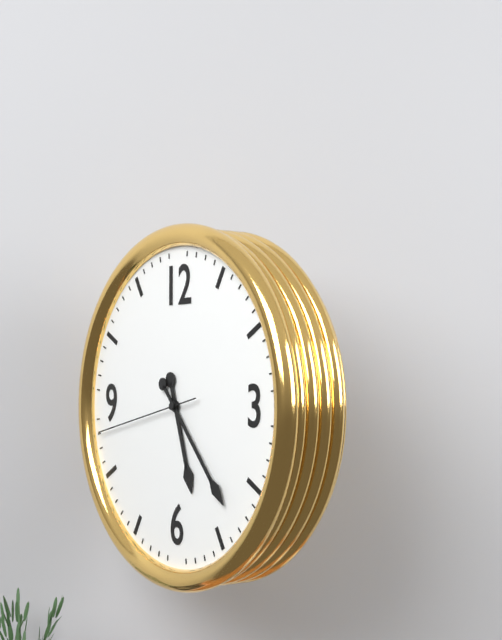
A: 5:23:43
